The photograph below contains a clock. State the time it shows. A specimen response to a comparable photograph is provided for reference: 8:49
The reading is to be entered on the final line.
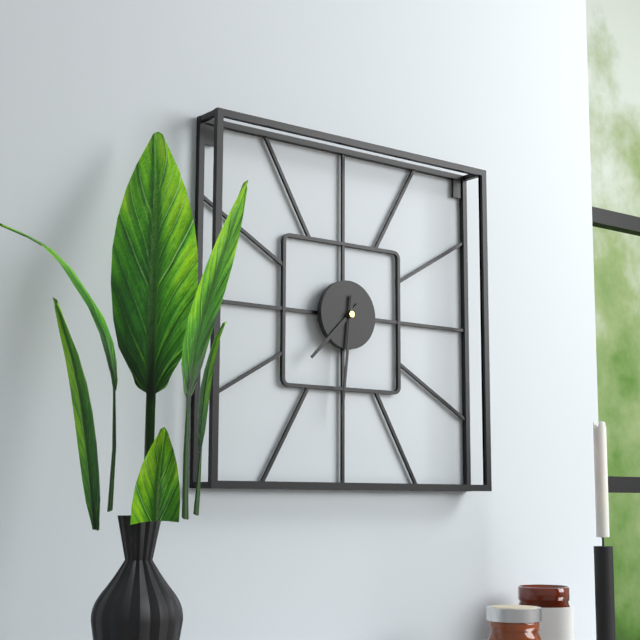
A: 7:31
